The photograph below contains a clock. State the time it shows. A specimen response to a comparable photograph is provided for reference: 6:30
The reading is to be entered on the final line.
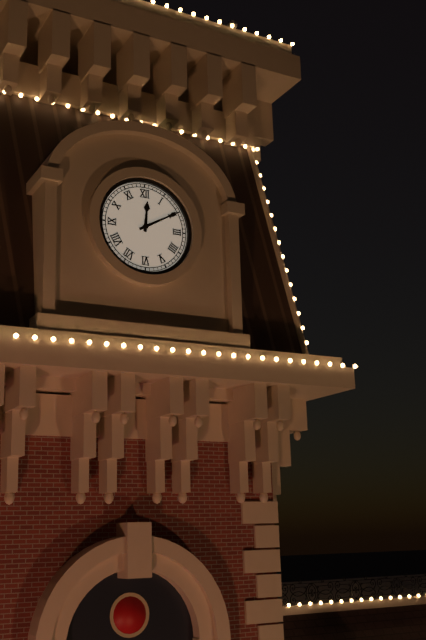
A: 12:10
